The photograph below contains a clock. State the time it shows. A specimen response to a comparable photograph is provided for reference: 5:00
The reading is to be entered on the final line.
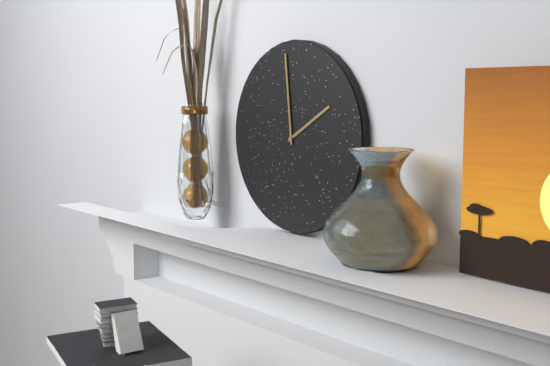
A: 1:59
